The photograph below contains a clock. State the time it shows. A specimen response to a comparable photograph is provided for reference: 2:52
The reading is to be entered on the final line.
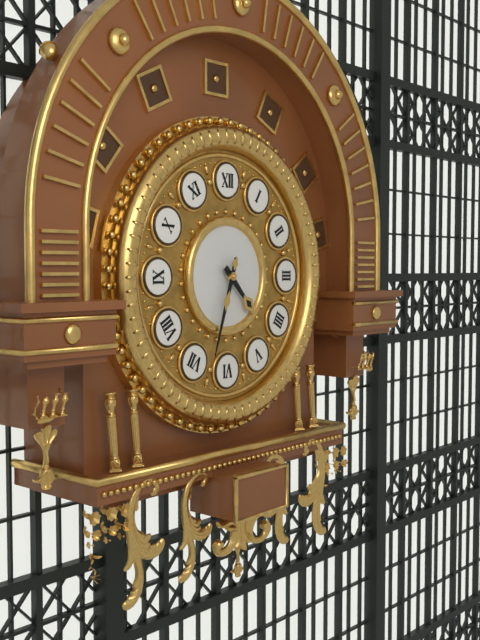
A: 4:33
